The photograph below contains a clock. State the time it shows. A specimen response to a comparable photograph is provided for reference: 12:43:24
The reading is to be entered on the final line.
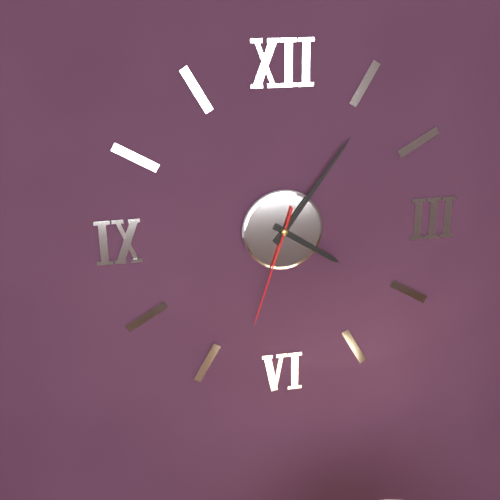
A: 4:06:33
